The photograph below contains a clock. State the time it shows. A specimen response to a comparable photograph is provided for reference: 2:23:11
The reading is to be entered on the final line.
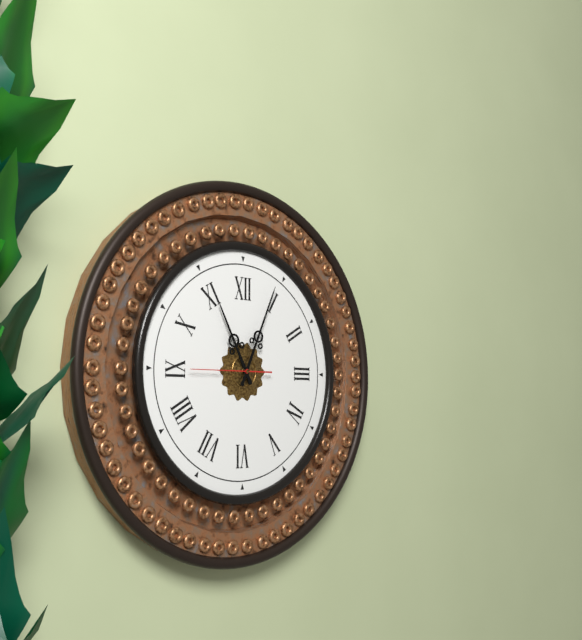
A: 11:04:45
